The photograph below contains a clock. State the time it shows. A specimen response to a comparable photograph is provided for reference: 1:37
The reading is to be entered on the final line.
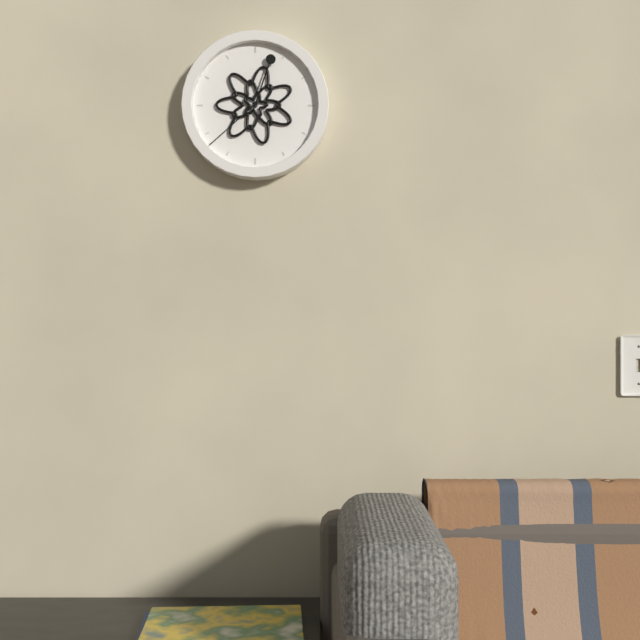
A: 12:38
